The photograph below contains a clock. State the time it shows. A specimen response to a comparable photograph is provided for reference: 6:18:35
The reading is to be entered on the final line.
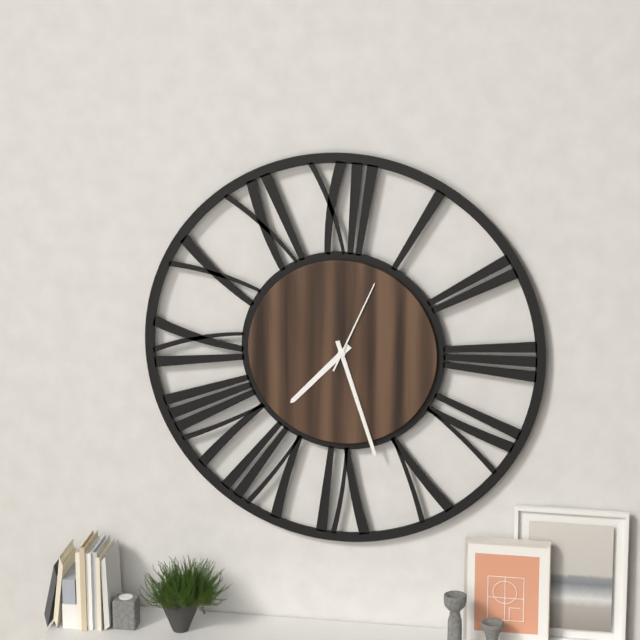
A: 7:27:04
